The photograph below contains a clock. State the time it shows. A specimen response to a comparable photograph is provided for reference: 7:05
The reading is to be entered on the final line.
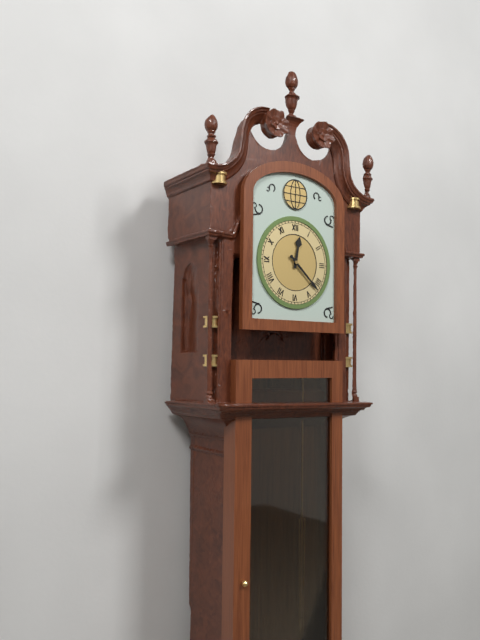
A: 12:22
